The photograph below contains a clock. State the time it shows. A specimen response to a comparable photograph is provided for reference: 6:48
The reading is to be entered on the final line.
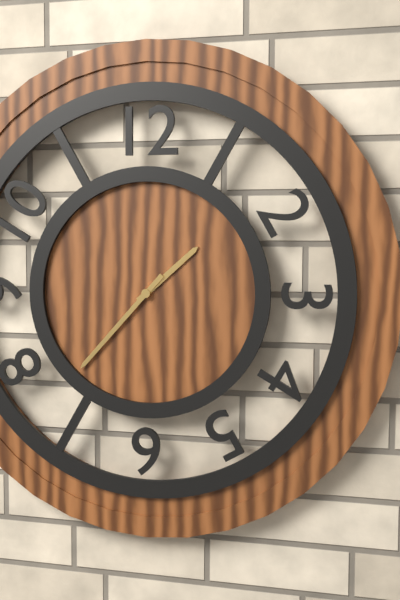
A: 1:37
